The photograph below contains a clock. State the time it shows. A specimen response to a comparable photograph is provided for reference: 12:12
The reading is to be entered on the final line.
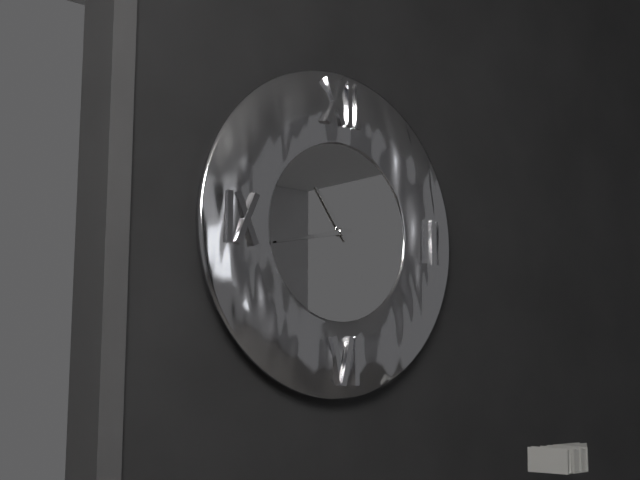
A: 10:43
